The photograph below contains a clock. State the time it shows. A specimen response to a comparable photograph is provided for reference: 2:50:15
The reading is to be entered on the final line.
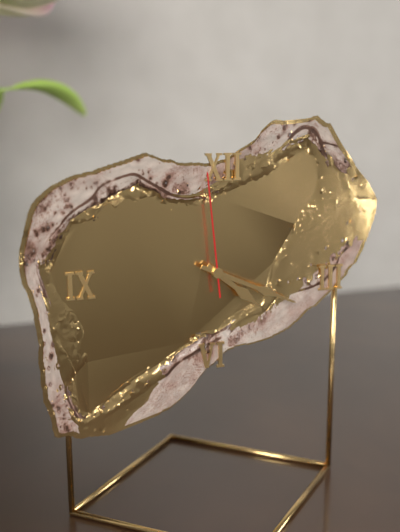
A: 4:19:59
